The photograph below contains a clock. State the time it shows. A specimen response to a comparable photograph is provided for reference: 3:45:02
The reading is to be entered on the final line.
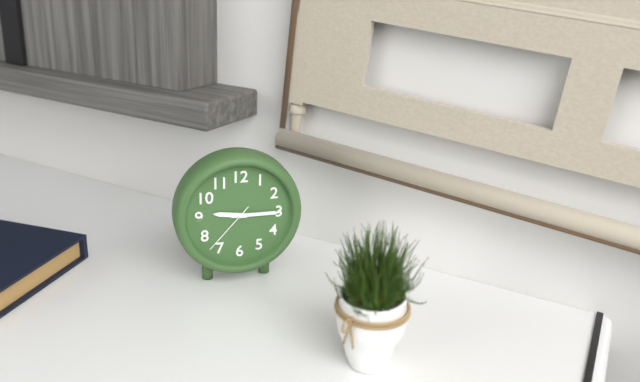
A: 9:15:37
